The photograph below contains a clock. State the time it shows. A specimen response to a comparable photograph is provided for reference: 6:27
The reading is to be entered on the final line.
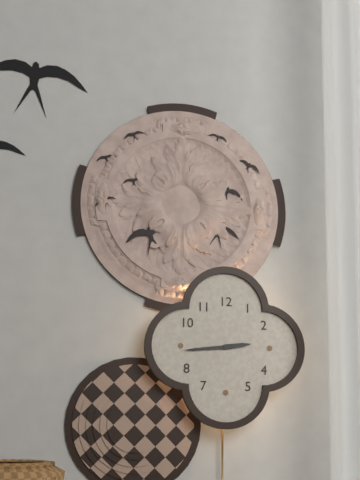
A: 2:44
